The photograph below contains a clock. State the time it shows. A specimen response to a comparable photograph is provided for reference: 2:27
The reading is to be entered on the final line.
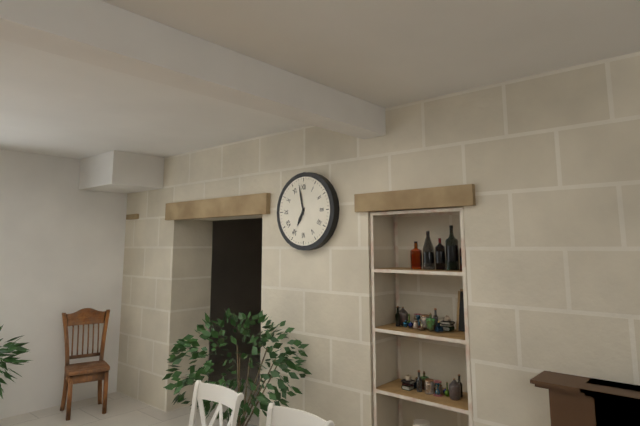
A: 6:58
